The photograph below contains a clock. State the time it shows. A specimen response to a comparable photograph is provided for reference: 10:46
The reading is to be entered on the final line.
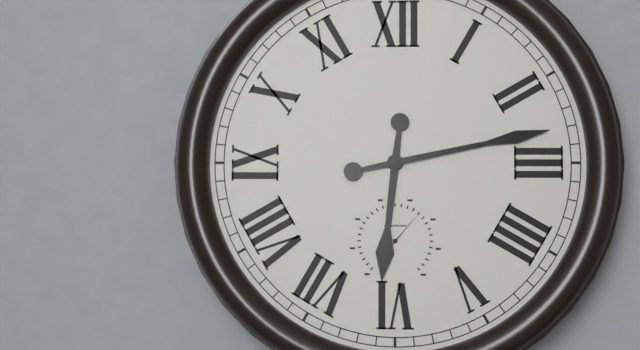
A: 6:13
